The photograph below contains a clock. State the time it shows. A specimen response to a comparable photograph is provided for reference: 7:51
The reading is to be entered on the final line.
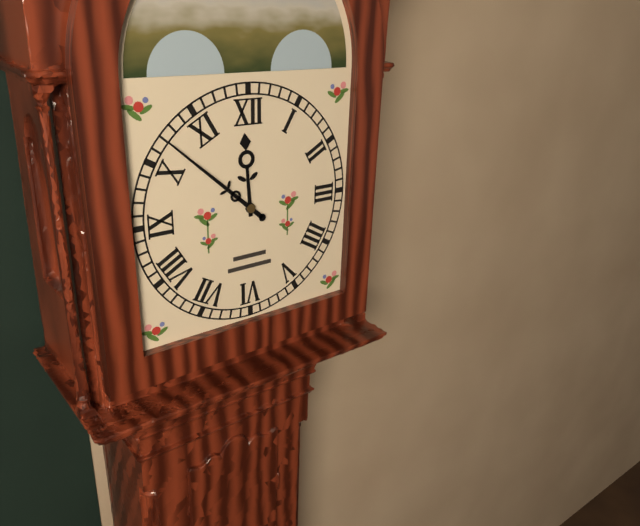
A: 11:52
